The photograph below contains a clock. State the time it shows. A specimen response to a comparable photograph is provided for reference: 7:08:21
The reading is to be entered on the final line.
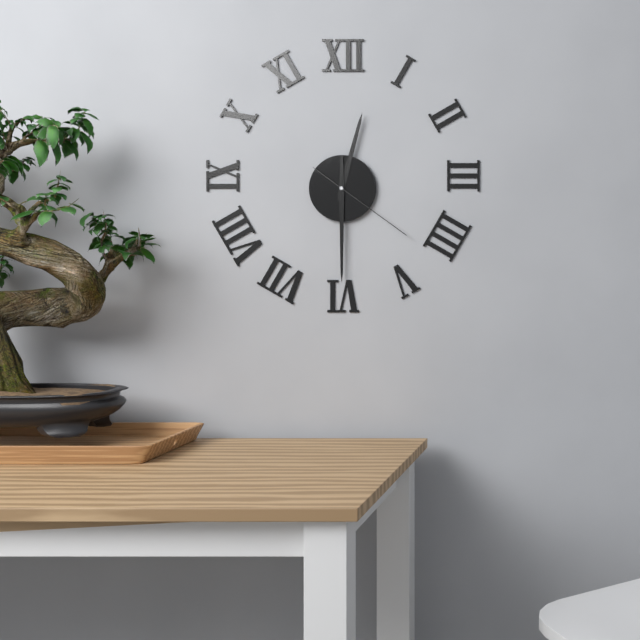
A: 12:30:21
